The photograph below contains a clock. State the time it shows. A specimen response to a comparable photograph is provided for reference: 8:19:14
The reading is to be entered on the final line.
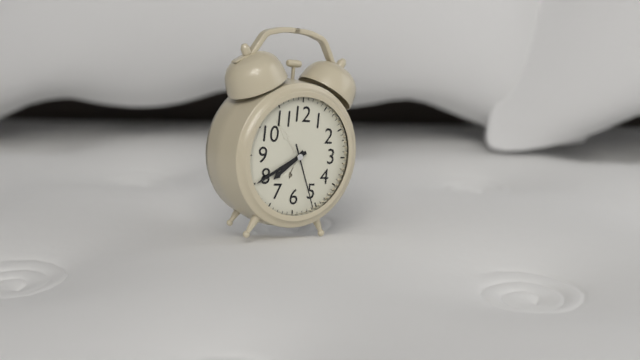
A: 7:40:26
